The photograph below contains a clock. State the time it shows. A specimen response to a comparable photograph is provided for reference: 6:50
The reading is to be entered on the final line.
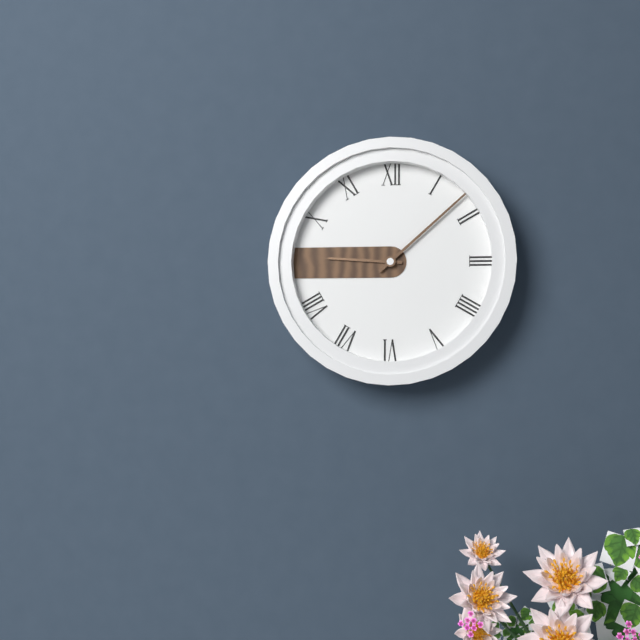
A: 9:08
